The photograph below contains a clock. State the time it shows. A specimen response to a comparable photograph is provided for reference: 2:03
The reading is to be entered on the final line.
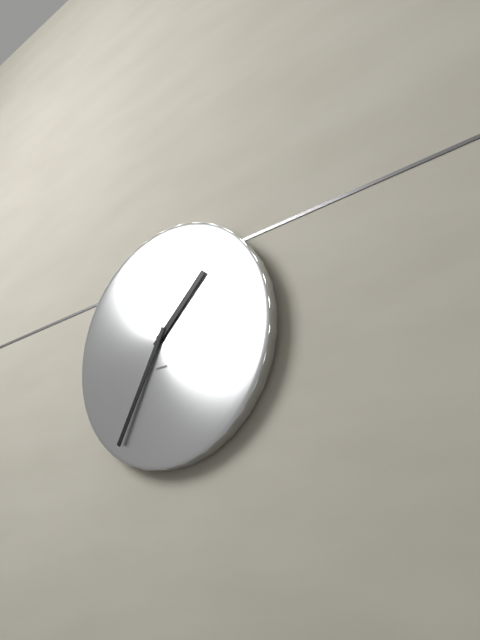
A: 1:35
